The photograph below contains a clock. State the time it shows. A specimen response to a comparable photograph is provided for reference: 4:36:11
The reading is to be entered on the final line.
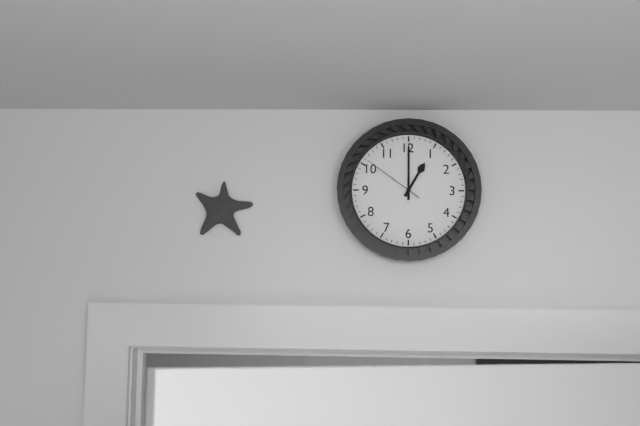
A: 1:00:51
